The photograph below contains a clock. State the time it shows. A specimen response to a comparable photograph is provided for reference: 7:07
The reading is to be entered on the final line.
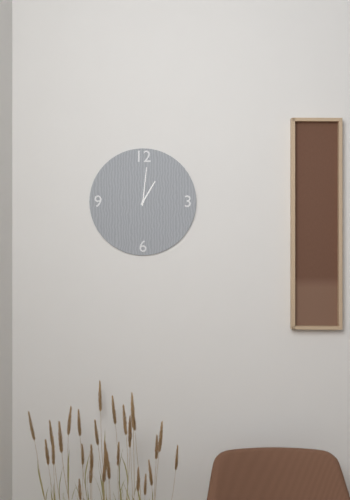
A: 1:01
